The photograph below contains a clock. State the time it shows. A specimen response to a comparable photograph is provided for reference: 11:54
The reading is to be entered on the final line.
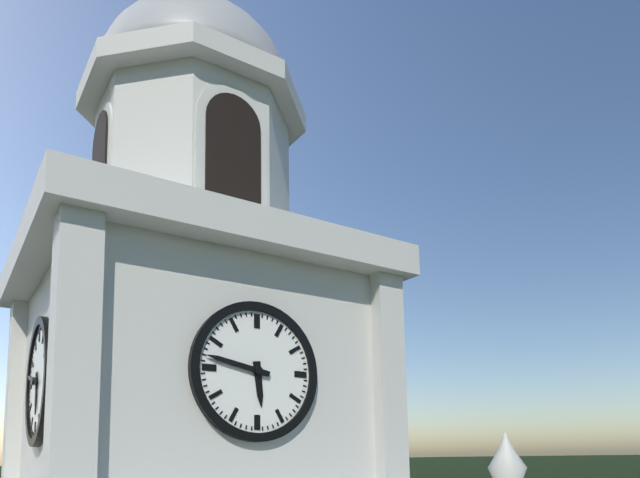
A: 5:47
